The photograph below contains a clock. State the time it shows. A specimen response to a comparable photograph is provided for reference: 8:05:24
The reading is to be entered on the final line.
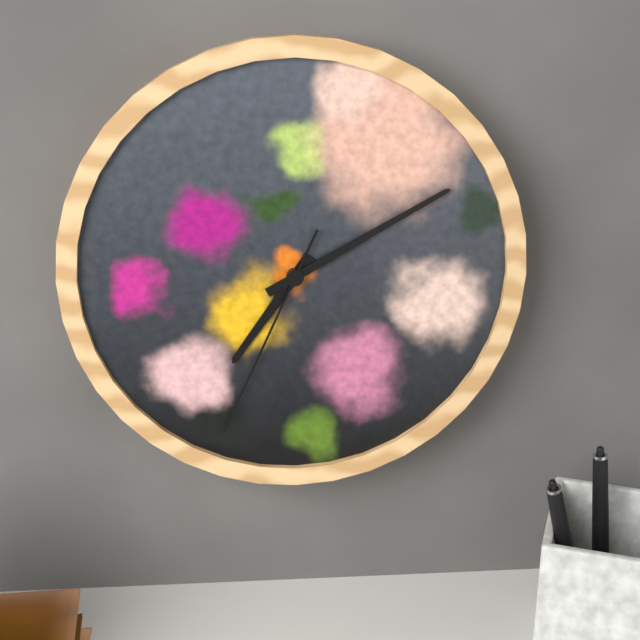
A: 7:10:34
